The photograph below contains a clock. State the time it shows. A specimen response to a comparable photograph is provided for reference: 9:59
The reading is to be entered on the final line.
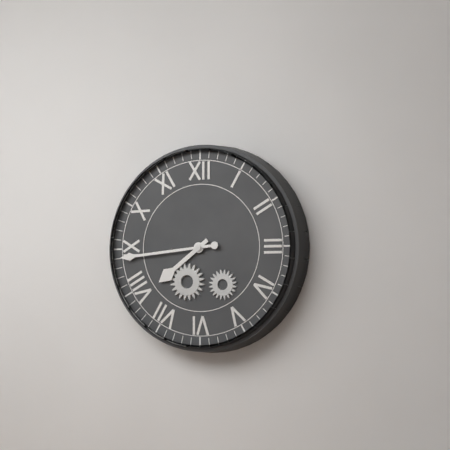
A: 7:44
